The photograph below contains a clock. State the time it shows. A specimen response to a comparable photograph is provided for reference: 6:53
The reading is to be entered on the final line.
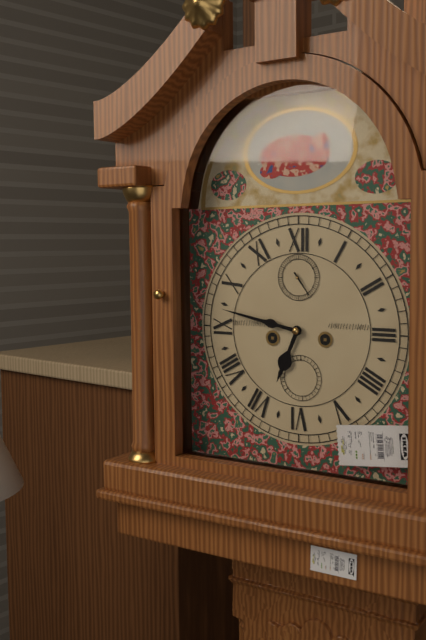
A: 6:47
